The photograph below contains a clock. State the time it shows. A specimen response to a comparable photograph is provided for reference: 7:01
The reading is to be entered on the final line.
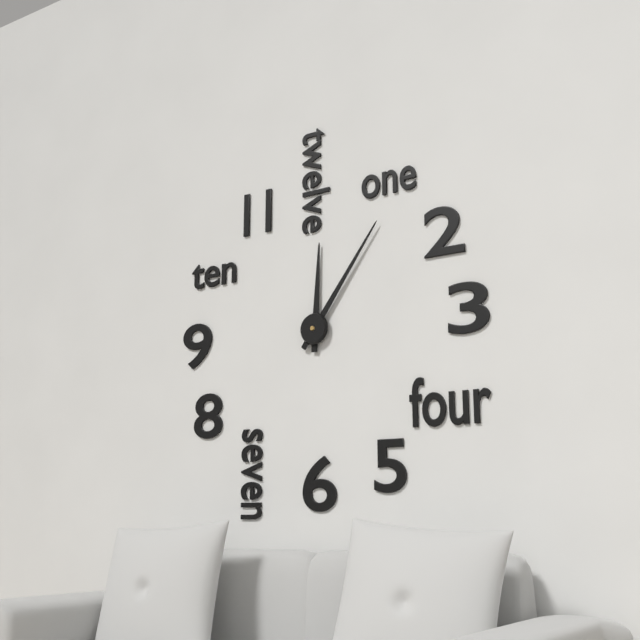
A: 12:06
